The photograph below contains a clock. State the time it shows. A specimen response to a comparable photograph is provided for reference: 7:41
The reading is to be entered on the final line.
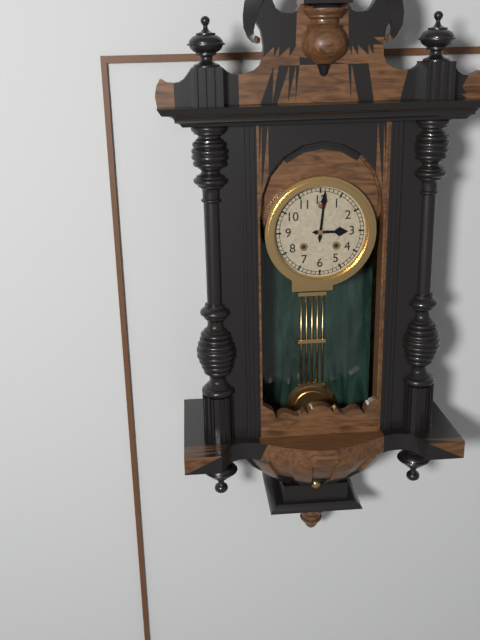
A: 3:01
